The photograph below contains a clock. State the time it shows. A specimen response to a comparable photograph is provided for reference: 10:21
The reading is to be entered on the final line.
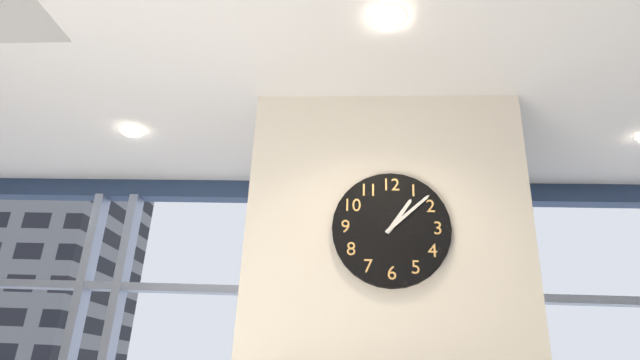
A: 1:08
